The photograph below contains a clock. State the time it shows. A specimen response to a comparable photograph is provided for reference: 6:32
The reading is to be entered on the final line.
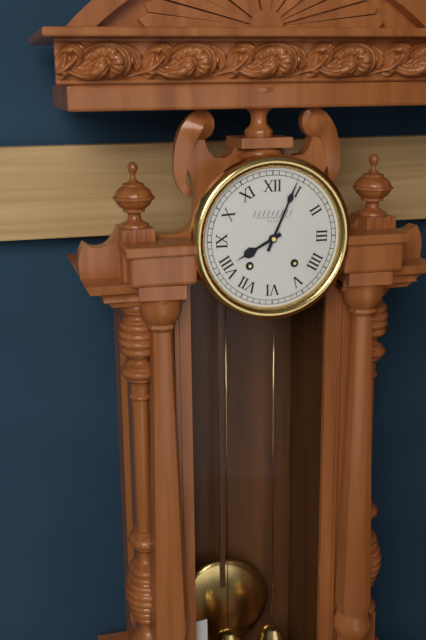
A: 8:04
